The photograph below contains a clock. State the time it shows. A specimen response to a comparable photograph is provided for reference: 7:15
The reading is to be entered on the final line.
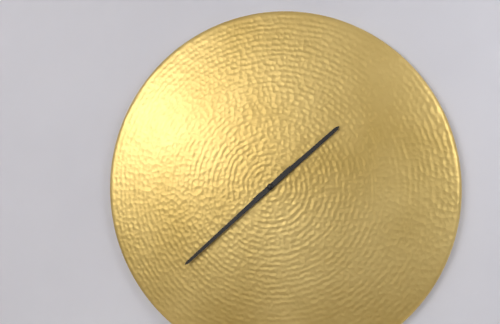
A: 1:38
